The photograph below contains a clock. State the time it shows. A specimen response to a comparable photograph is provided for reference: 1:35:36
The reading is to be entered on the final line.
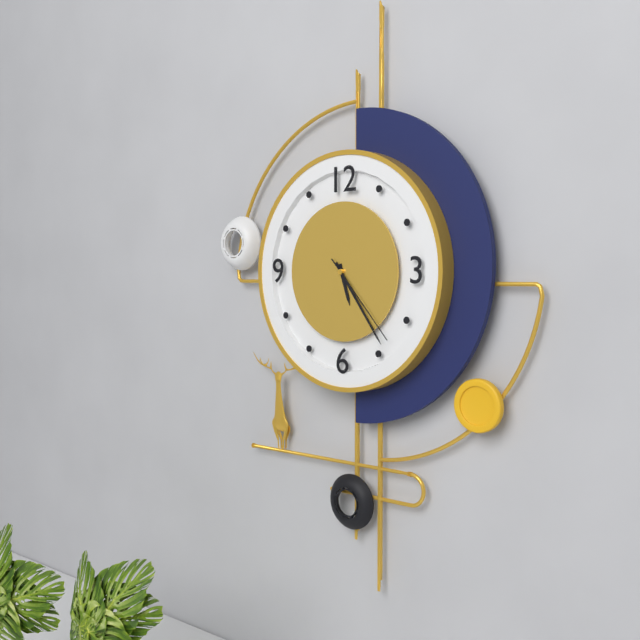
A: 5:24:23
